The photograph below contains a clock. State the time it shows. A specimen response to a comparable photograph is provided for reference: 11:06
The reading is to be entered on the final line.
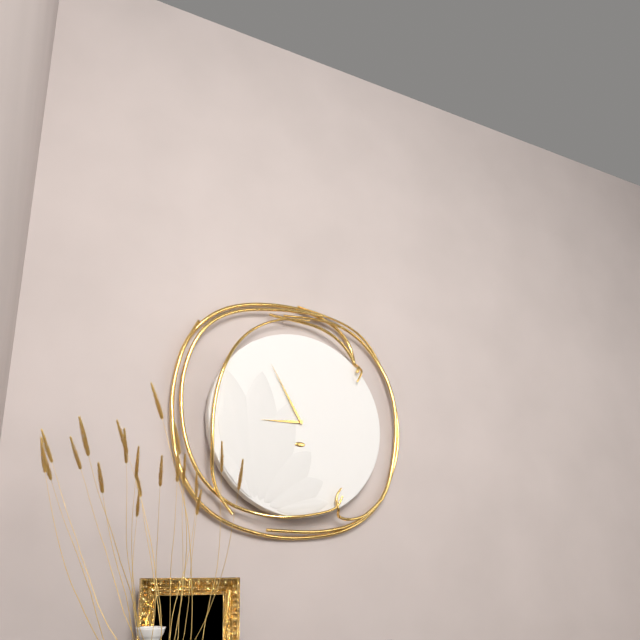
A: 8:55
